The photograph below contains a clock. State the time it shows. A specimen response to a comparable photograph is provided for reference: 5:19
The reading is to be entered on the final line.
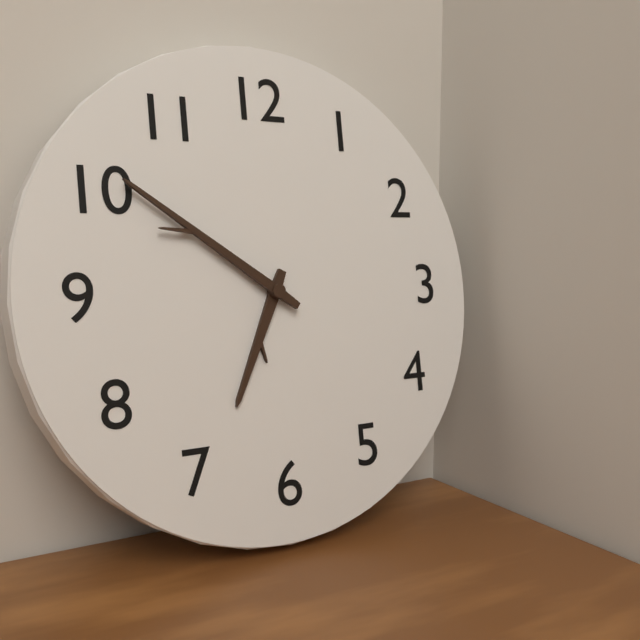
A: 6:51
